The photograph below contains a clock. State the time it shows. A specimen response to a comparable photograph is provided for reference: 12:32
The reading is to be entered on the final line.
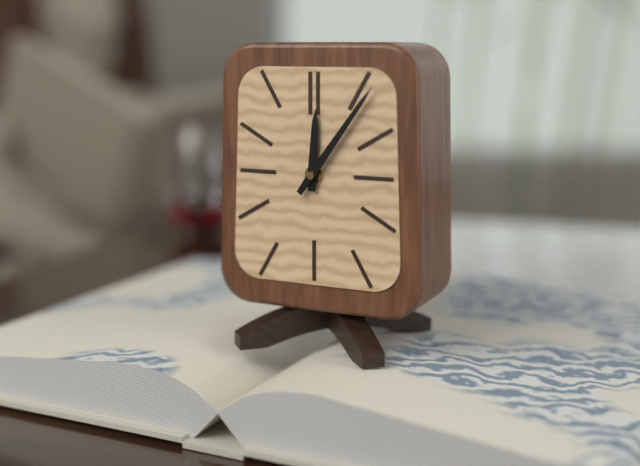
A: 12:06
